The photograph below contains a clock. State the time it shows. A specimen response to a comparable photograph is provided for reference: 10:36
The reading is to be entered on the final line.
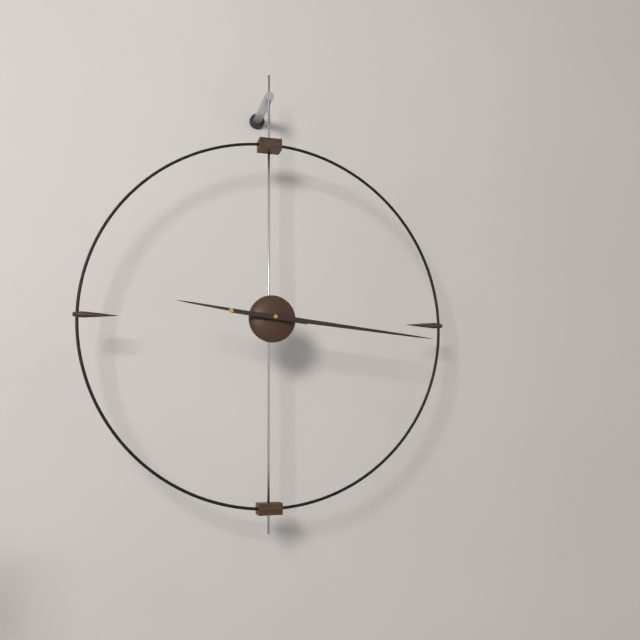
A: 9:16
